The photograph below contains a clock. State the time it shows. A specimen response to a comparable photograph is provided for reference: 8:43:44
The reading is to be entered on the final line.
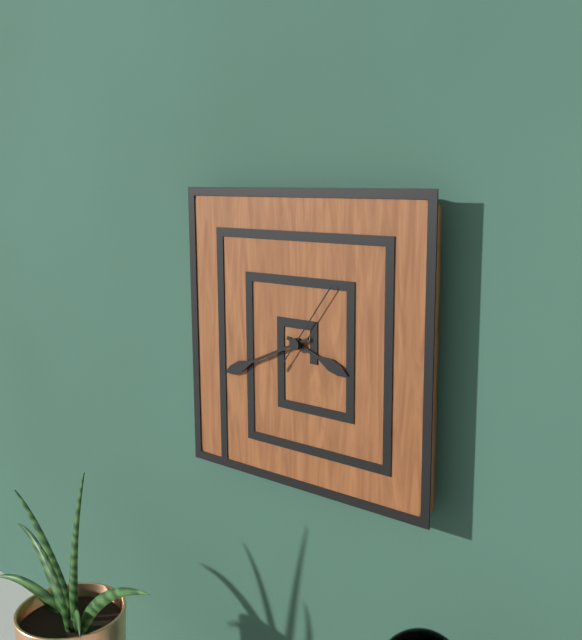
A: 3:41:06
